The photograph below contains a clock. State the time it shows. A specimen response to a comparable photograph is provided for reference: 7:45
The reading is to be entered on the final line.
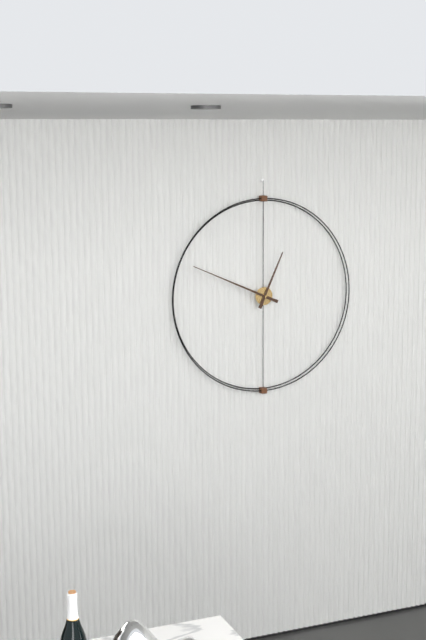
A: 12:49
